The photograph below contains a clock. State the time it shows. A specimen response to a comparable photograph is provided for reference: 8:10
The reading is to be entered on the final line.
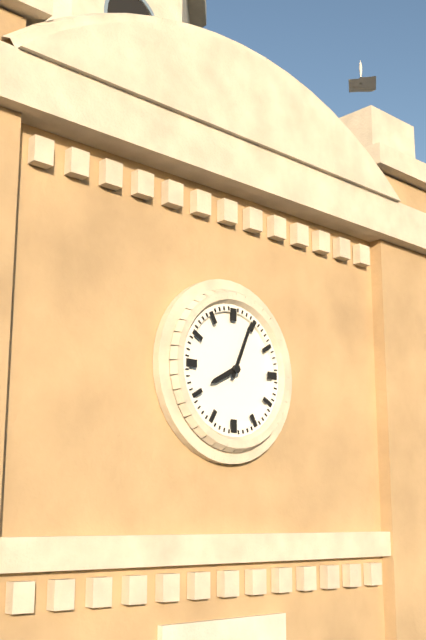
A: 8:04
